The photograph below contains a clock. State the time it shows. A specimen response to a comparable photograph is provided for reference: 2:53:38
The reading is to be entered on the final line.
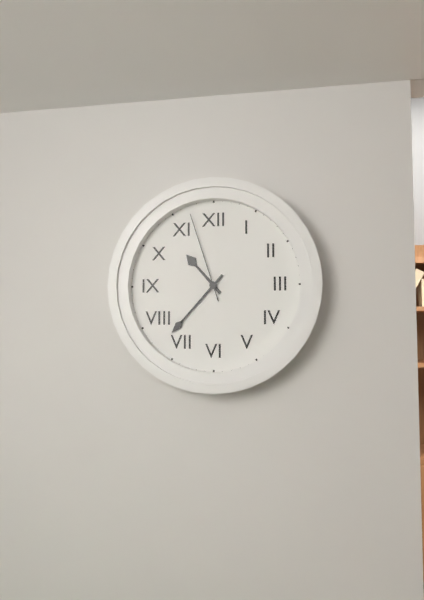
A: 10:37:57
